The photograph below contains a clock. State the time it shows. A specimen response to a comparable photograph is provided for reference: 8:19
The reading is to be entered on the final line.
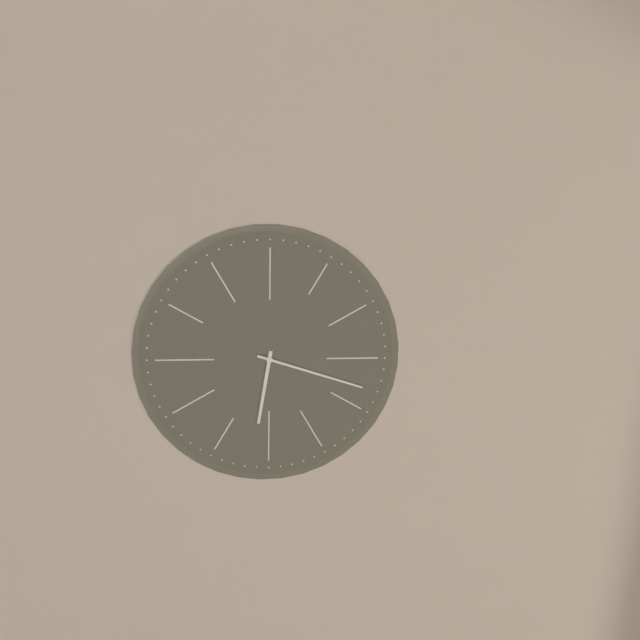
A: 6:18
